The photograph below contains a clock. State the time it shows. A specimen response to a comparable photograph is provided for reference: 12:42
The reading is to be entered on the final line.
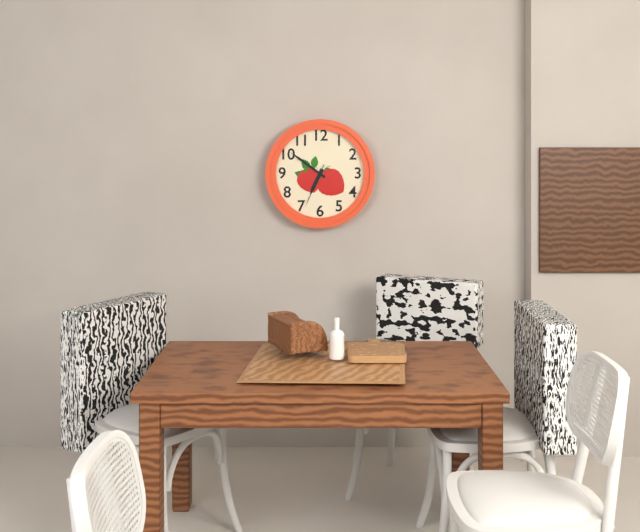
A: 6:51
